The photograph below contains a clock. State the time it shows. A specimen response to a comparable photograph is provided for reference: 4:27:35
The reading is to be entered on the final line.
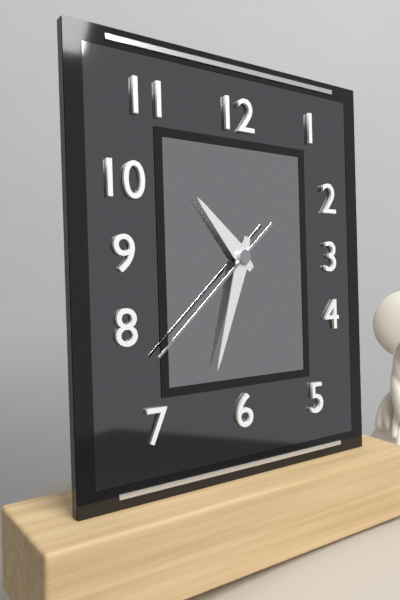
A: 10:33:38
